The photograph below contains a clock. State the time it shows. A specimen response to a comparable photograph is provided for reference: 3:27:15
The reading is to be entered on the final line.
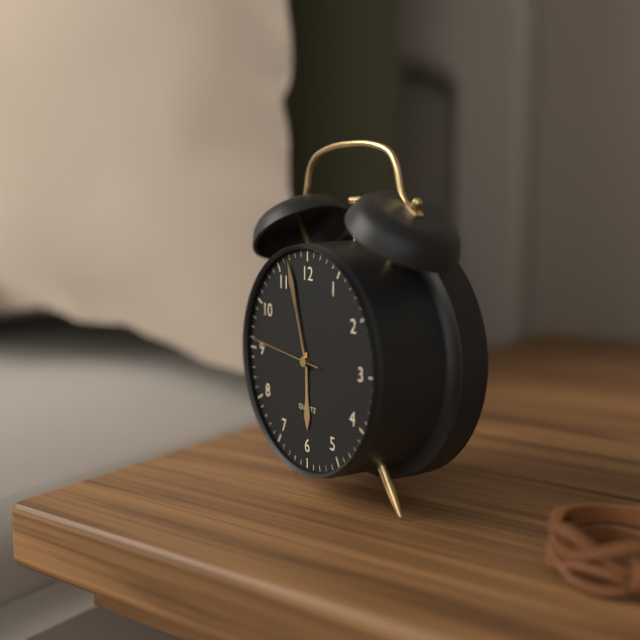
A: 5:57:46
